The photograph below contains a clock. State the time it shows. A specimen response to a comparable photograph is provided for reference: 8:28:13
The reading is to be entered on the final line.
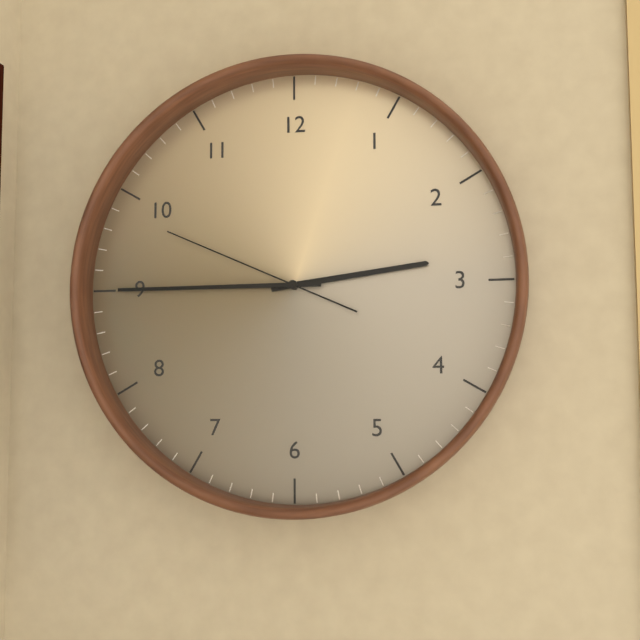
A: 2:45:49
